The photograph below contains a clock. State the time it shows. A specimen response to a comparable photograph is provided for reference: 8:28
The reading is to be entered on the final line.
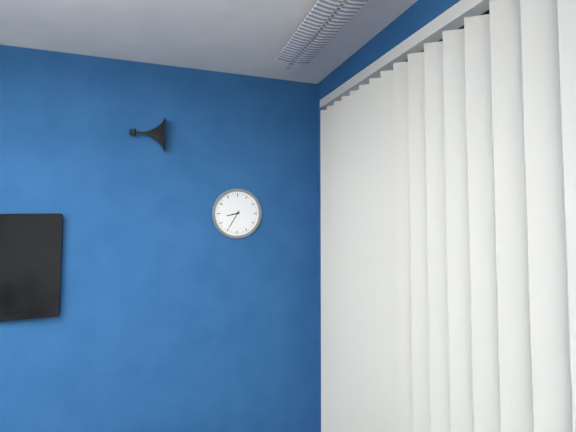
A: 8:35
